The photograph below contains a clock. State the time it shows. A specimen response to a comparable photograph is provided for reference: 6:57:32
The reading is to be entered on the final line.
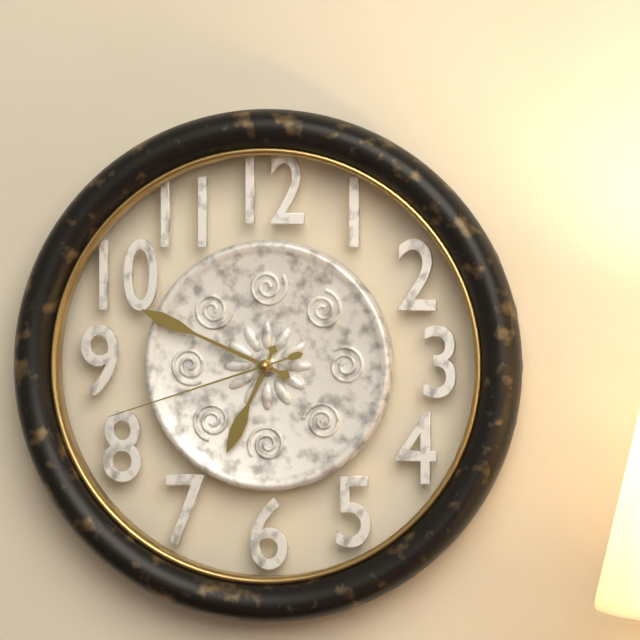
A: 6:49:42
